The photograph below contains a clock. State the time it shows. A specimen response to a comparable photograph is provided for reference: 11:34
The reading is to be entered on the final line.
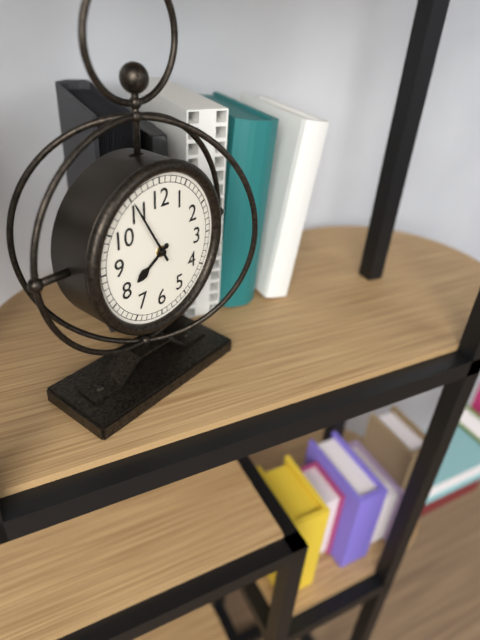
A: 7:55
